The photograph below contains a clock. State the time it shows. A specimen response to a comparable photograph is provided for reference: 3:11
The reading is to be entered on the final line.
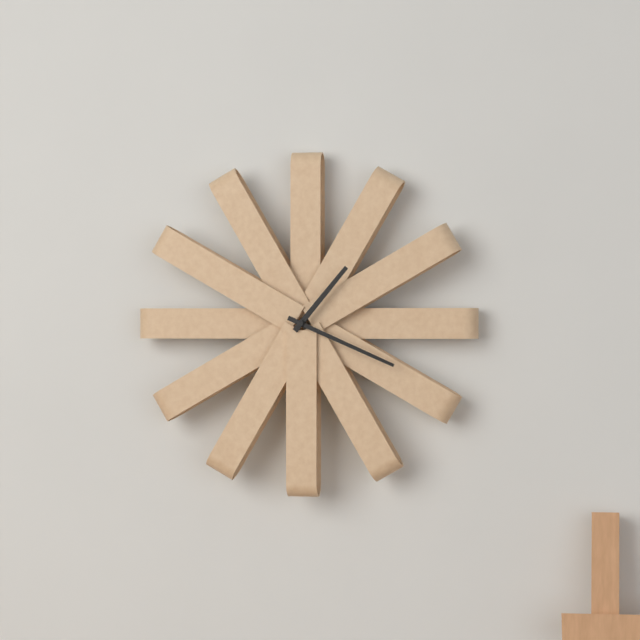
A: 1:19
